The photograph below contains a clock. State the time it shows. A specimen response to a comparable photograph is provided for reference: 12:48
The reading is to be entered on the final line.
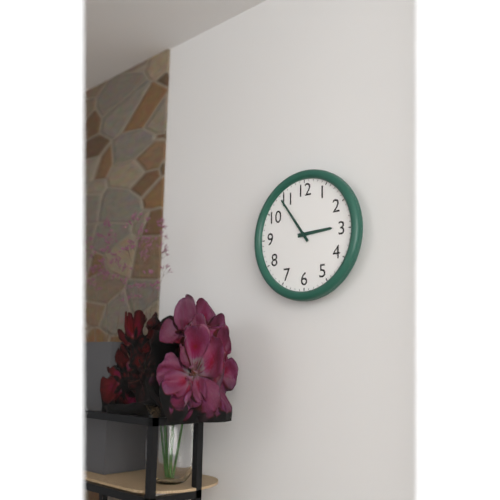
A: 2:54
